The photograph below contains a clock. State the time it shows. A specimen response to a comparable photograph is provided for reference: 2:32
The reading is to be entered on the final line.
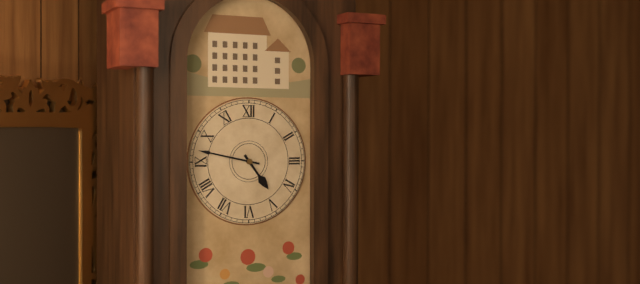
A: 4:47
